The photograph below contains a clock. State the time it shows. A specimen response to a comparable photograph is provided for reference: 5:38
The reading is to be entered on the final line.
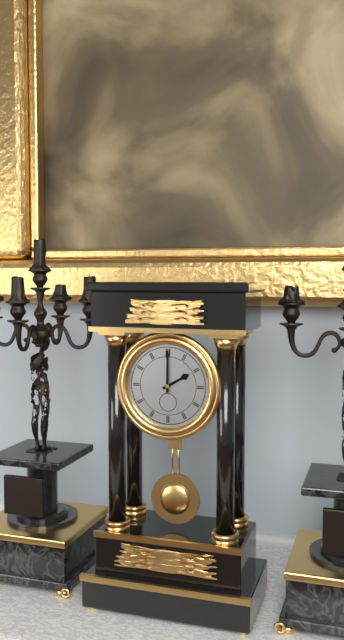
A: 2:00
